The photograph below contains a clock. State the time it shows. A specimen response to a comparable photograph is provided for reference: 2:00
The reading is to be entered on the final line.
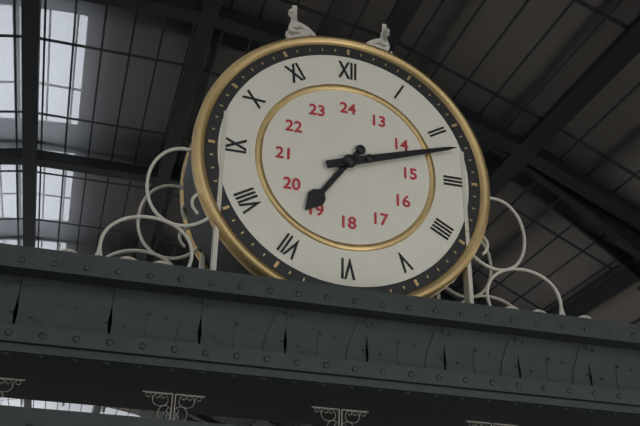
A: 7:12
